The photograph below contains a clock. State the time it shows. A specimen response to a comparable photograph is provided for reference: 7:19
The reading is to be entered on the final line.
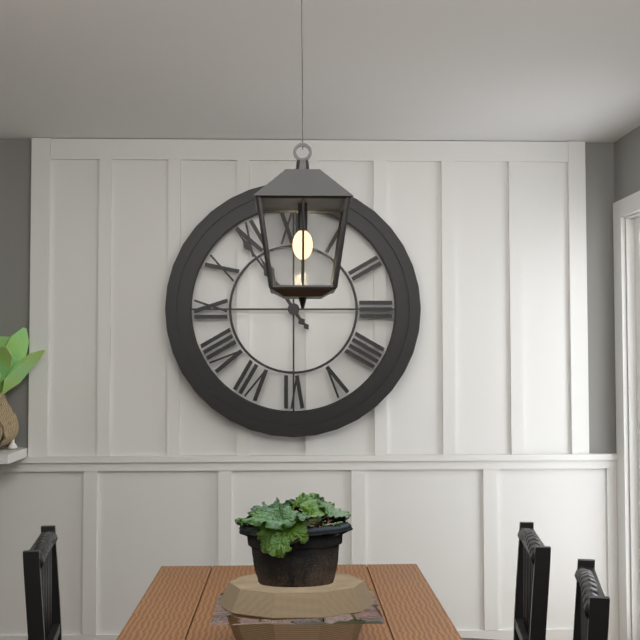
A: 10:54
